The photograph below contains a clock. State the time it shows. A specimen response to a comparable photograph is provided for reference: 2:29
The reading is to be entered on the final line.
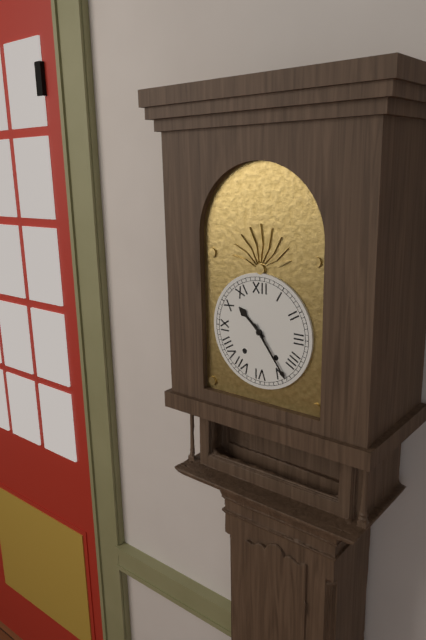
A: 10:24
